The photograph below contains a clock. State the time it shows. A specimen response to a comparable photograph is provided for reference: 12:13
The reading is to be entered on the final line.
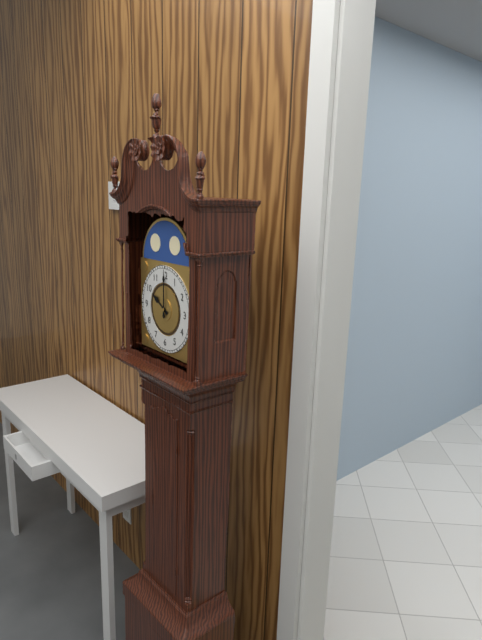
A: 10:00
